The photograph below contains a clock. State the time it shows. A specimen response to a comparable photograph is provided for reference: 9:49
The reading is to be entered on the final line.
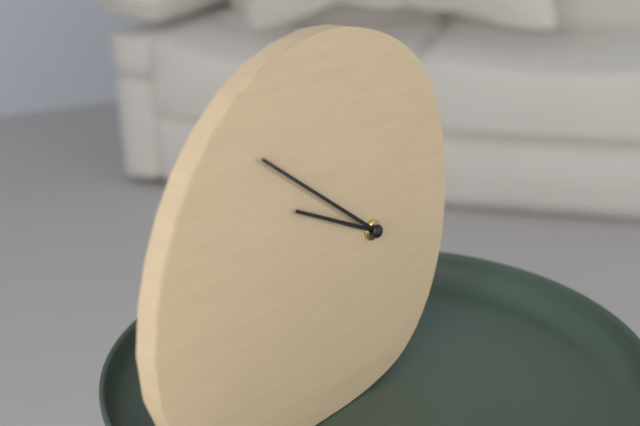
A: 9:51
